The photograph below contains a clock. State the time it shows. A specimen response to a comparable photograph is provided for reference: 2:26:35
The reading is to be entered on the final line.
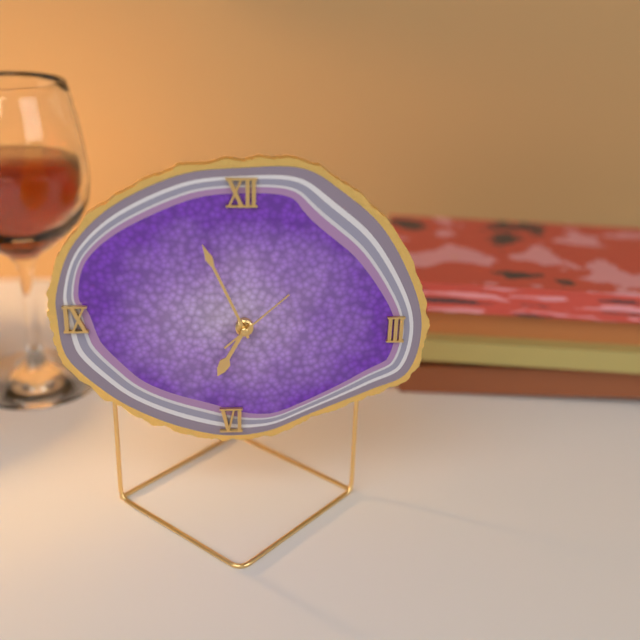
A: 6:56:08
